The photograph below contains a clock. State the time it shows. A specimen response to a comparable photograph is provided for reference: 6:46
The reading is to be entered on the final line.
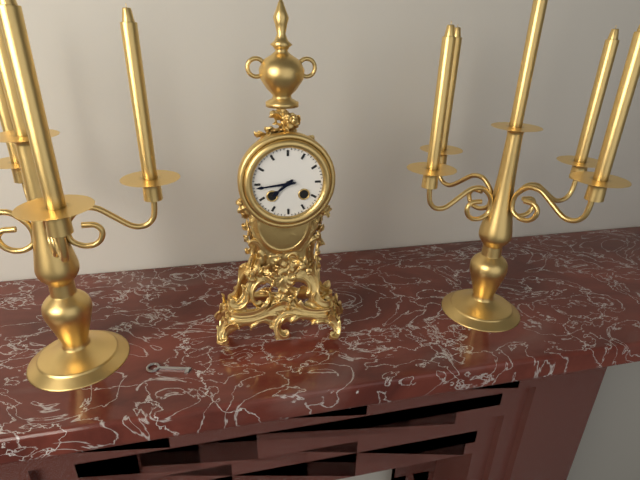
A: 7:44
